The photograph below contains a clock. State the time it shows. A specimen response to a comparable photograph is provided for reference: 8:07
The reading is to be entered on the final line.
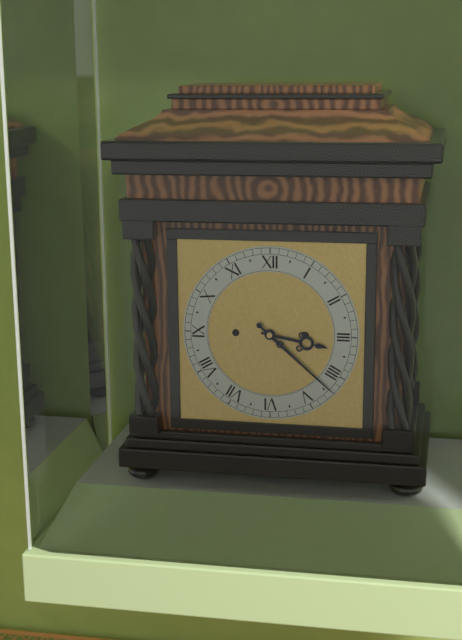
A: 3:22
